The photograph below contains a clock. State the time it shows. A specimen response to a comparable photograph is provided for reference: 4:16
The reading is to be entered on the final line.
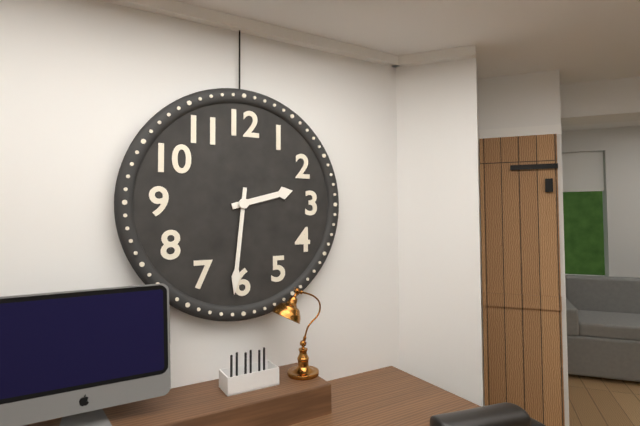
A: 2:31
